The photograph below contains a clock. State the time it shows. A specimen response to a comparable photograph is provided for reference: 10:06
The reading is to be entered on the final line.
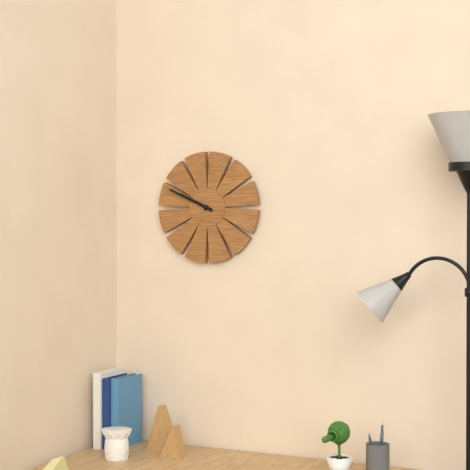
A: 9:49
